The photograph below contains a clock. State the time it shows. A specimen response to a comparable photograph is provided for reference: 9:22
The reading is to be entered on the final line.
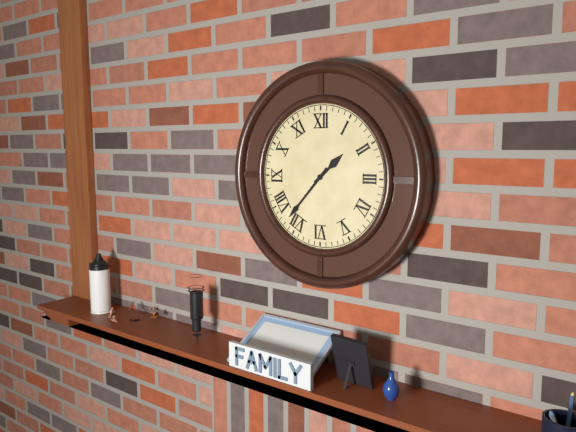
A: 1:37
